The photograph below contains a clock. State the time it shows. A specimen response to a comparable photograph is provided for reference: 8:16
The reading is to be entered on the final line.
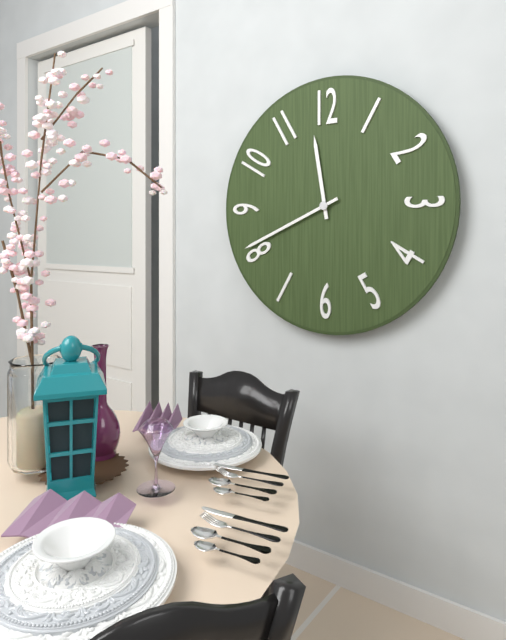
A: 11:41
